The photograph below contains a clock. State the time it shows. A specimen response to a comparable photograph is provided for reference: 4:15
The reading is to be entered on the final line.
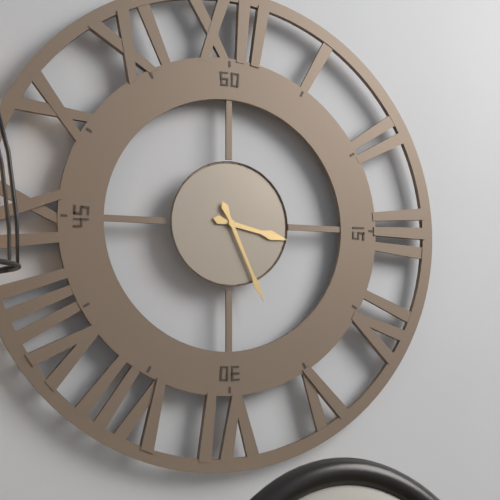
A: 3:26
